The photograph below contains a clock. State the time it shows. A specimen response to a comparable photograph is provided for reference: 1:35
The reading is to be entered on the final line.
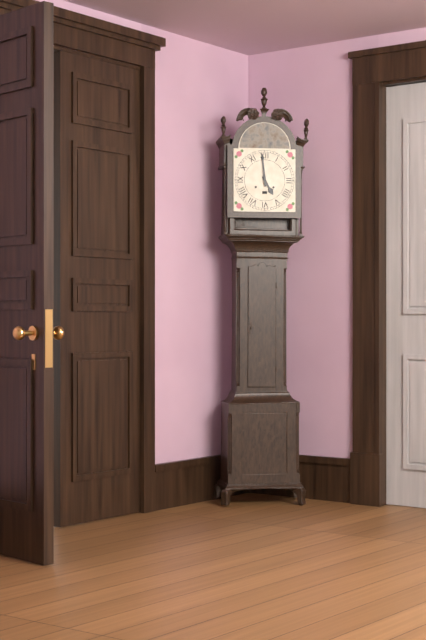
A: 4:59
